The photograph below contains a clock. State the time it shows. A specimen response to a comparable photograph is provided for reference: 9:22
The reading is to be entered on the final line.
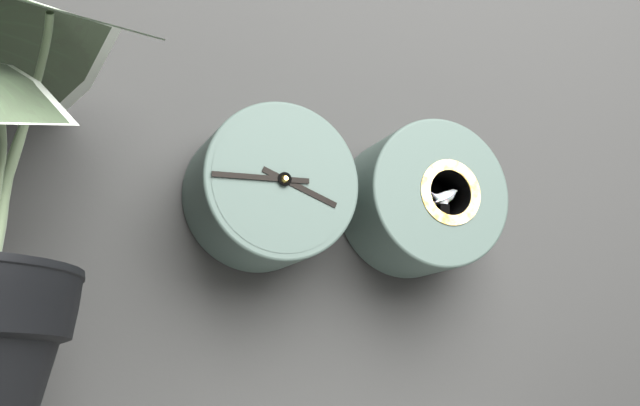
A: 3:45
